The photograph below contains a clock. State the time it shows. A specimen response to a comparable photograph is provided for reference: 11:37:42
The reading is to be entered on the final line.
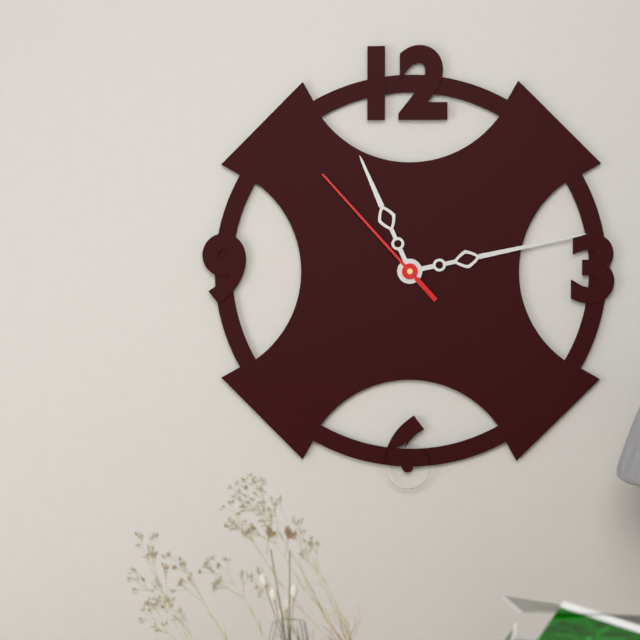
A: 11:13:53
